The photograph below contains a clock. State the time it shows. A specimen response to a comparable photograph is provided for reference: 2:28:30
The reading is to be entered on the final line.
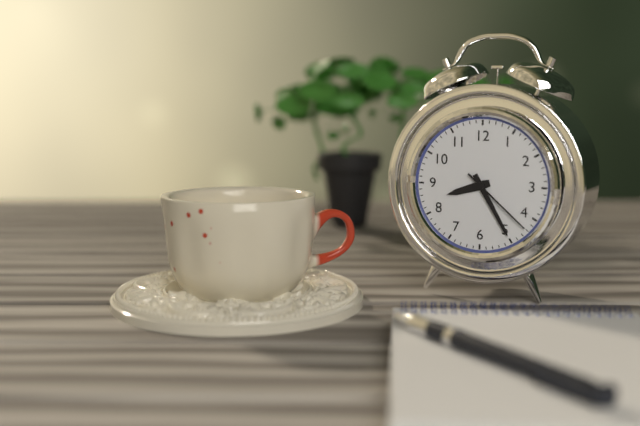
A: 8:25:22
